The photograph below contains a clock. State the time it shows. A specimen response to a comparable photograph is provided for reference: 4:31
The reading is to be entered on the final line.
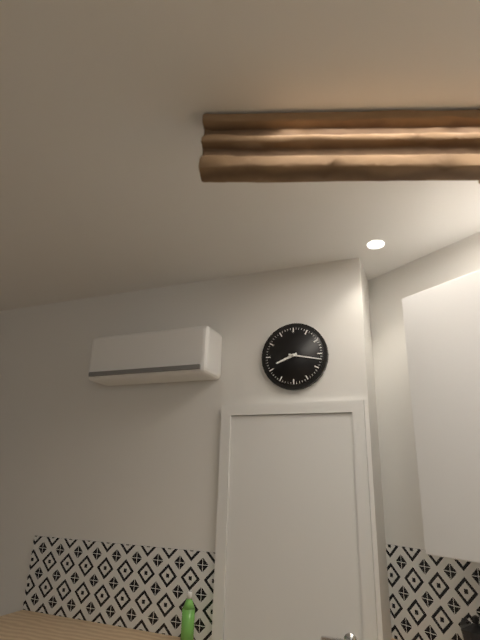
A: 8:17
